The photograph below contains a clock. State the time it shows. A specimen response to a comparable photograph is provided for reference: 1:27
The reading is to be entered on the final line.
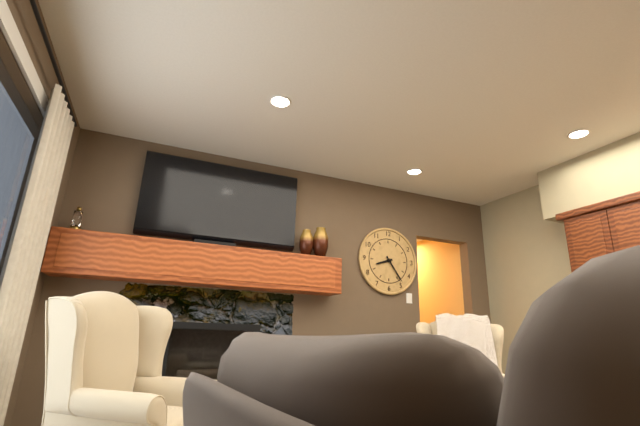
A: 8:24
